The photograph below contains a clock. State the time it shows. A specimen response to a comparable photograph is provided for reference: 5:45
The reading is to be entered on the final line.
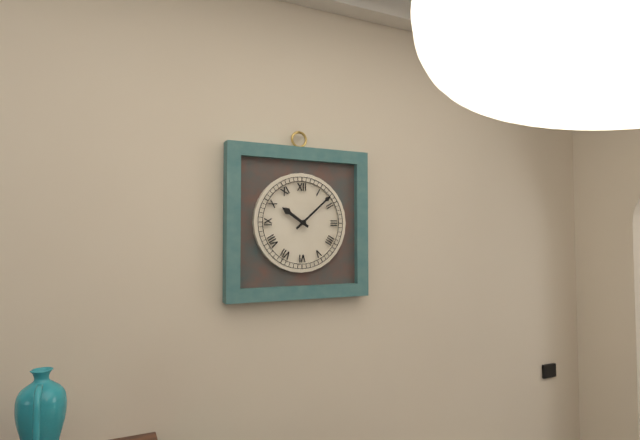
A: 10:08
